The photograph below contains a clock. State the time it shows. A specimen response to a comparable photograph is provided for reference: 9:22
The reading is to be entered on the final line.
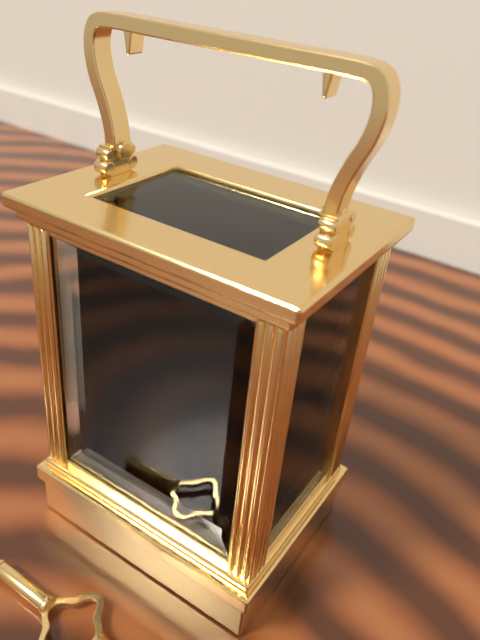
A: 11:14
